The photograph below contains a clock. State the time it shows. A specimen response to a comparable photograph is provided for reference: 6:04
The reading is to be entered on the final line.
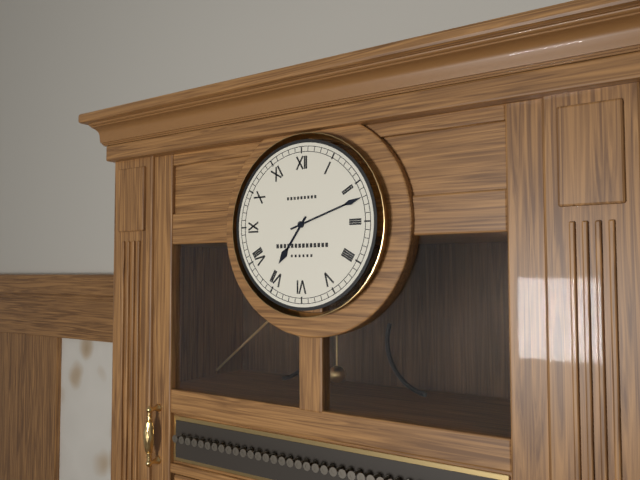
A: 7:12
